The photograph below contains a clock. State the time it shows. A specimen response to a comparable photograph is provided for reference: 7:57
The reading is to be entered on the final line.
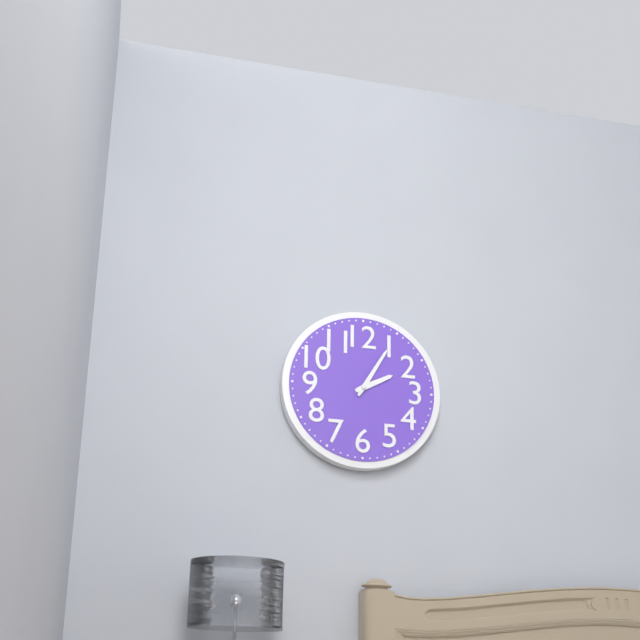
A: 2:05
